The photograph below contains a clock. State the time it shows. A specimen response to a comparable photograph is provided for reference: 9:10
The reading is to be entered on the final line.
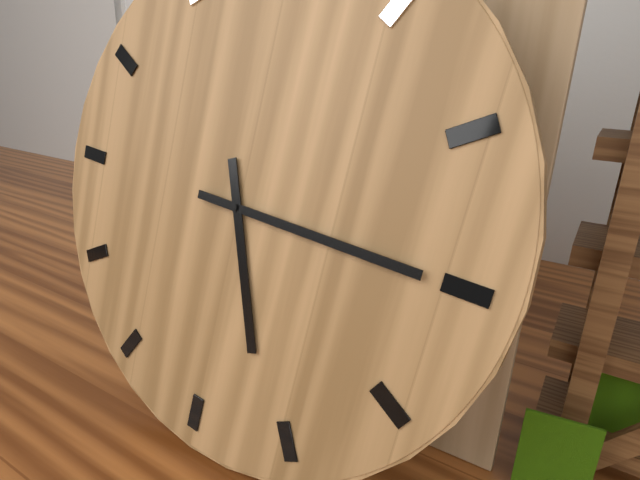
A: 5:15
